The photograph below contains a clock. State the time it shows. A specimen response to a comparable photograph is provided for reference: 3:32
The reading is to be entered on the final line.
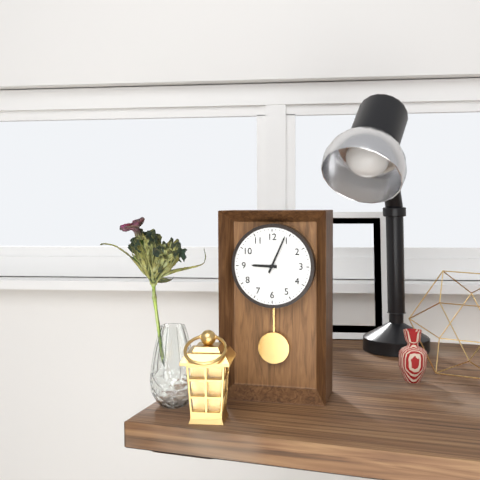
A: 9:04
